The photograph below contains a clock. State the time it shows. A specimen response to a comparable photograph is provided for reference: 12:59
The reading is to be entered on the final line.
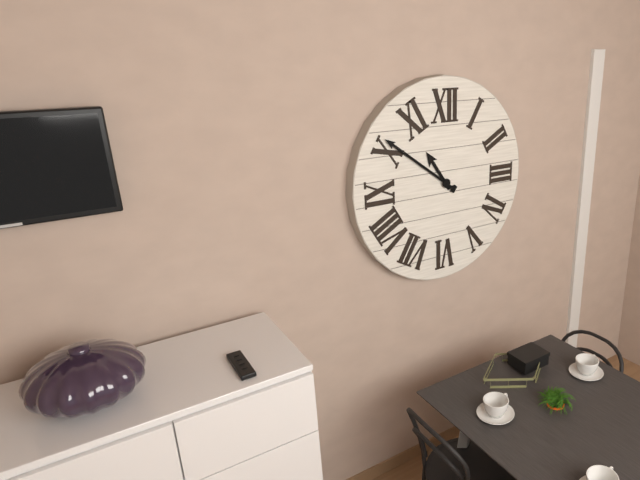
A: 10:51
